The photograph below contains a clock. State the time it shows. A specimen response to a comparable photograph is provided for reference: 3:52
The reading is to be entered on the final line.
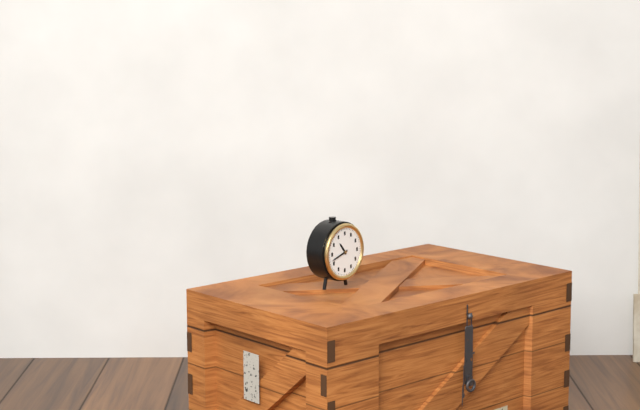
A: 10:42
